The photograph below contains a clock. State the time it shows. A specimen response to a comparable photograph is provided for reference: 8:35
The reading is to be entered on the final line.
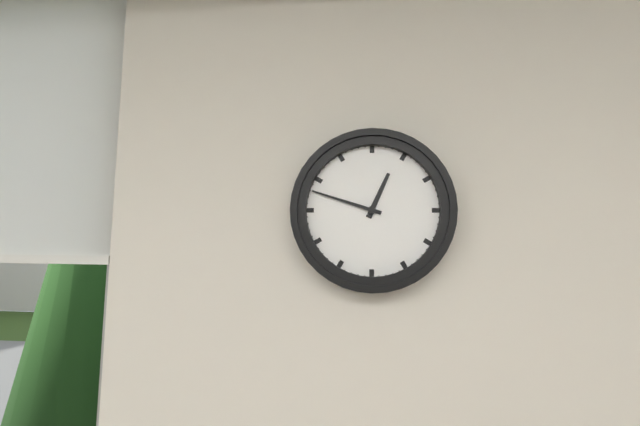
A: 12:48
